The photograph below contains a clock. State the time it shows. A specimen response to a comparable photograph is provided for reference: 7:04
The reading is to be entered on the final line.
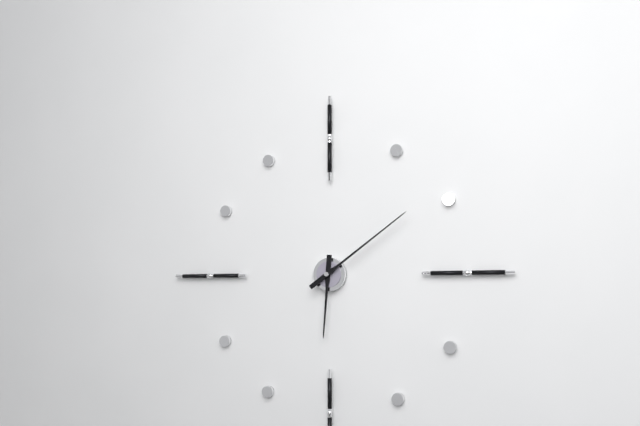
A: 6:09
